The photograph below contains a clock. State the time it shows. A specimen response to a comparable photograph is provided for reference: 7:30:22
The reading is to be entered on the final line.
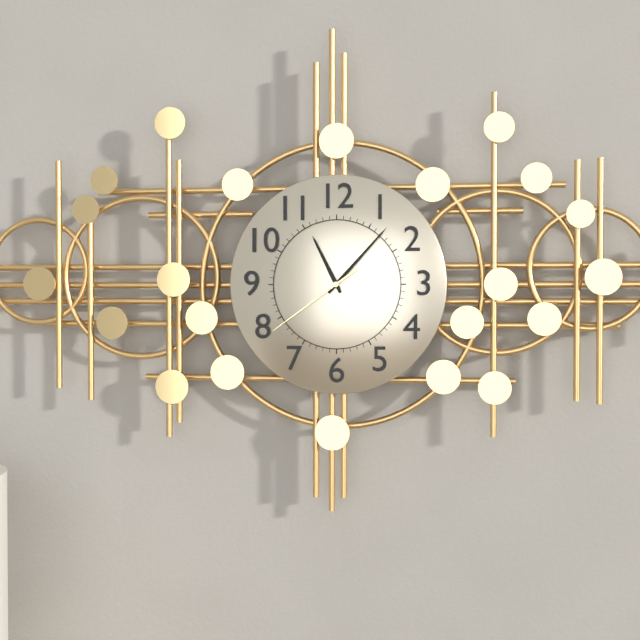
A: 11:07:39
